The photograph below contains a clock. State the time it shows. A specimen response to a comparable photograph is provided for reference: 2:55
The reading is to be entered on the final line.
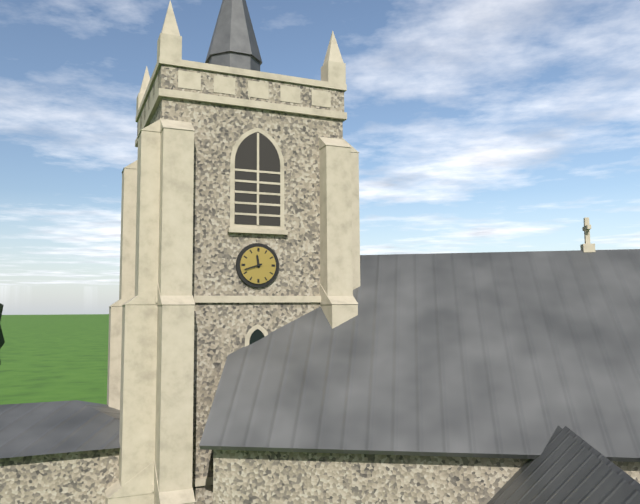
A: 11:42
